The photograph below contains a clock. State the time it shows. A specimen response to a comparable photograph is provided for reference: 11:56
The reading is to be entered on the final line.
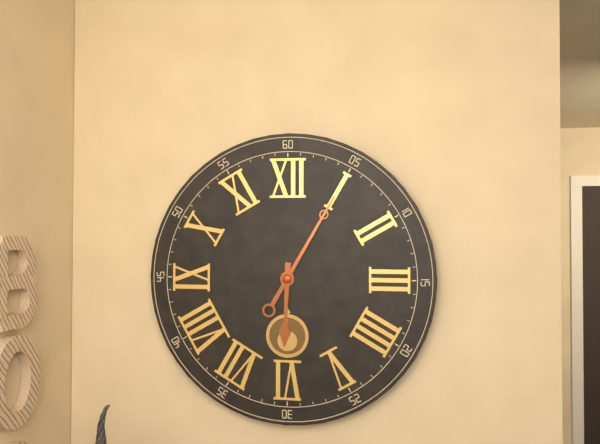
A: 6:05
